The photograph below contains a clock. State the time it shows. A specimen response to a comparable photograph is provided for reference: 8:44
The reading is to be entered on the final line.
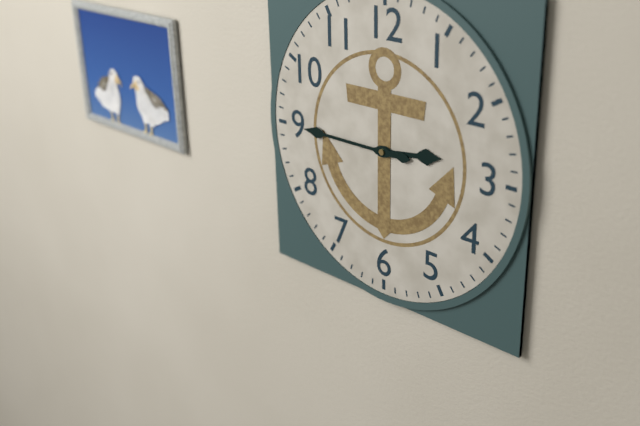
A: 2:45
